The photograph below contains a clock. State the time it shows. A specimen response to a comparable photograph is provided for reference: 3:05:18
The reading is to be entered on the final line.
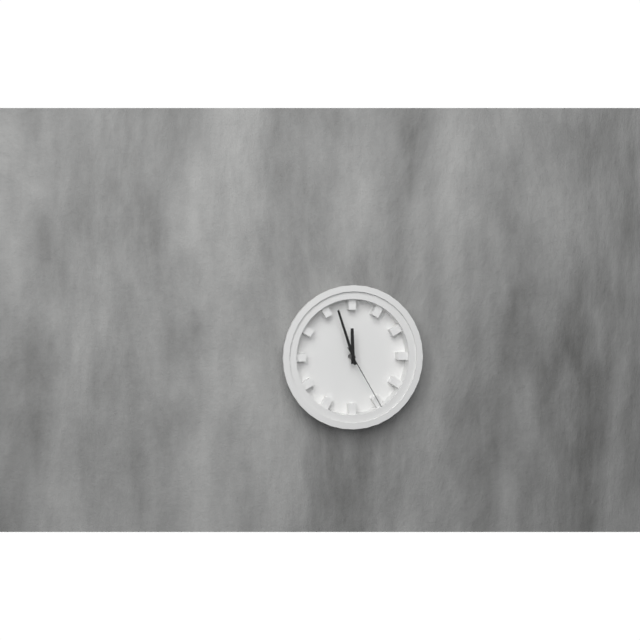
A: 11:57:25
